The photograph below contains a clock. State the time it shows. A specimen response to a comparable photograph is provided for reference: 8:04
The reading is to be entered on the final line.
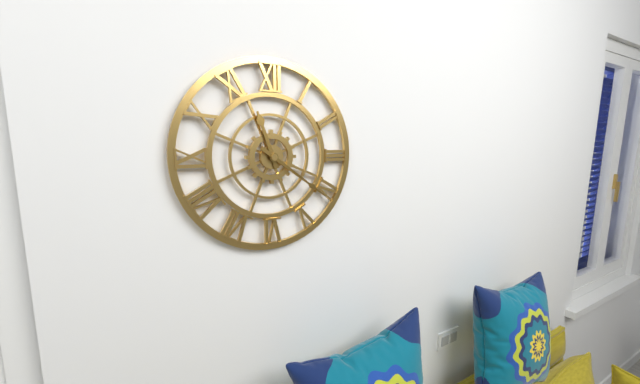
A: 11:21
